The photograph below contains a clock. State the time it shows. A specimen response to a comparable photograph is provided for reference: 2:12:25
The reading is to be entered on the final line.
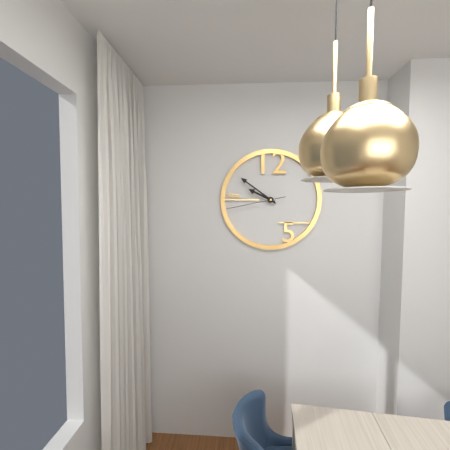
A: 9:51:43
